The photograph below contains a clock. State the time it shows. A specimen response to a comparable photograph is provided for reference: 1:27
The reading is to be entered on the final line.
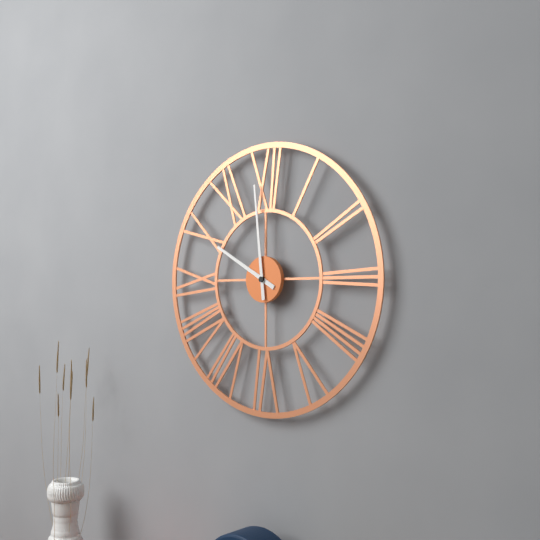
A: 9:59
